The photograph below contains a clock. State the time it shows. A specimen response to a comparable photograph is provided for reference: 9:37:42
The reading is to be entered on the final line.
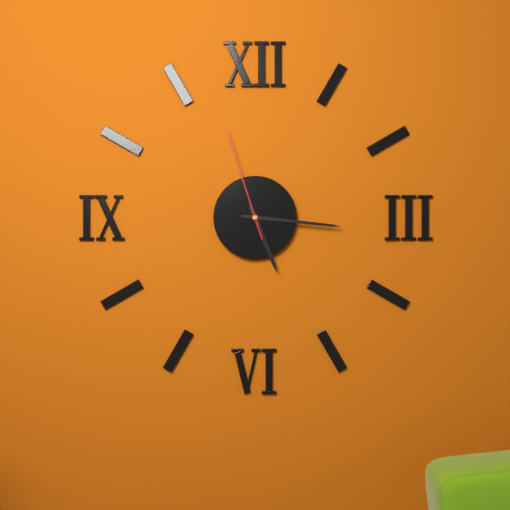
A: 5:16:57
